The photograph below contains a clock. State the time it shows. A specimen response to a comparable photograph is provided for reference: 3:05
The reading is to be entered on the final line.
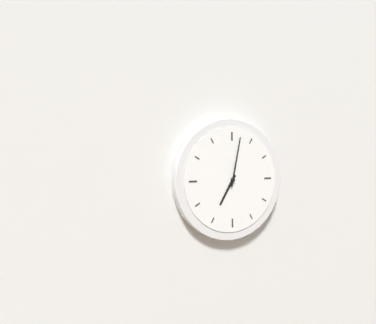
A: 7:02
